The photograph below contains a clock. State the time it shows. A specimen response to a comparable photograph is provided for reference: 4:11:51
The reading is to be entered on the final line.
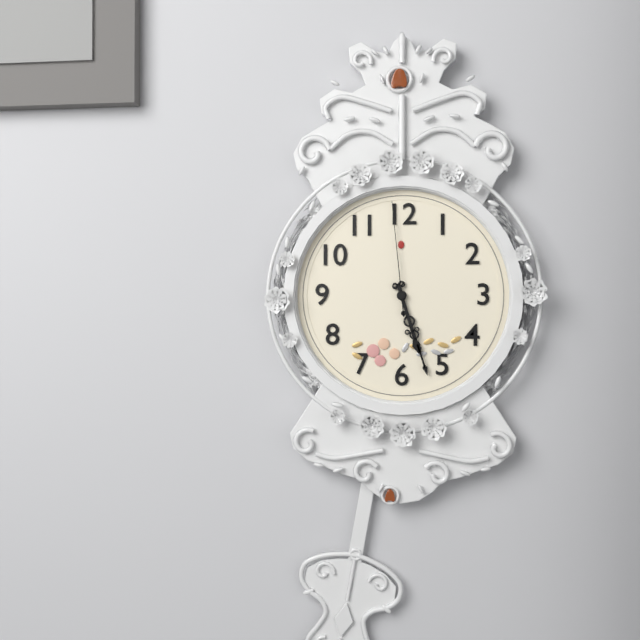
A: 5:27:59
